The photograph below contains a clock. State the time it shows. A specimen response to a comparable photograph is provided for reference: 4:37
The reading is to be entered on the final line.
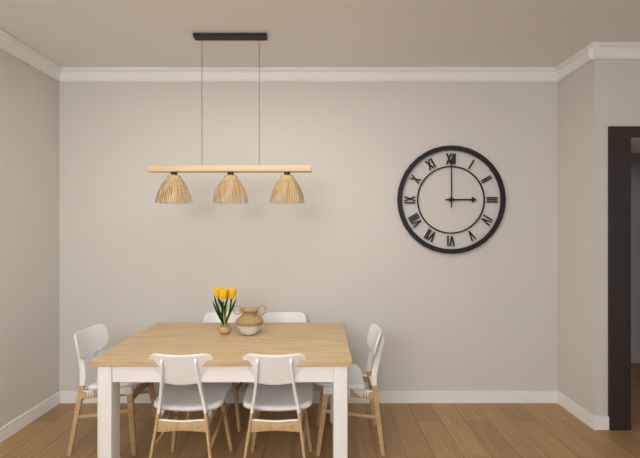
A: 3:00
